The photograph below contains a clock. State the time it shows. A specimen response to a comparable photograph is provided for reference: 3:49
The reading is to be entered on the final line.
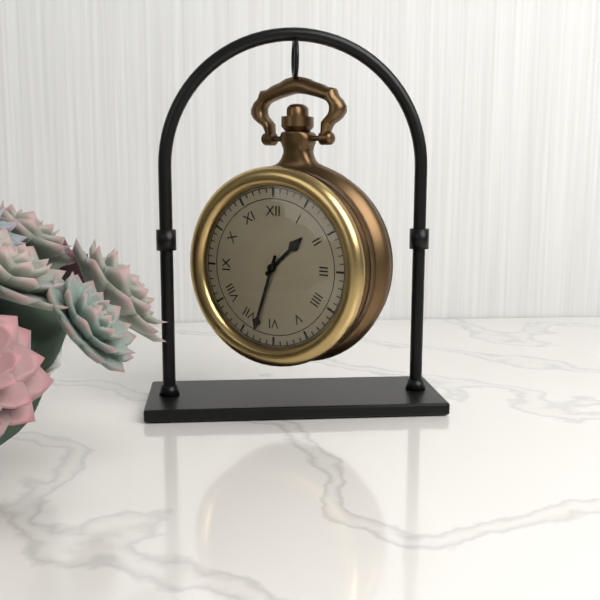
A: 1:33
